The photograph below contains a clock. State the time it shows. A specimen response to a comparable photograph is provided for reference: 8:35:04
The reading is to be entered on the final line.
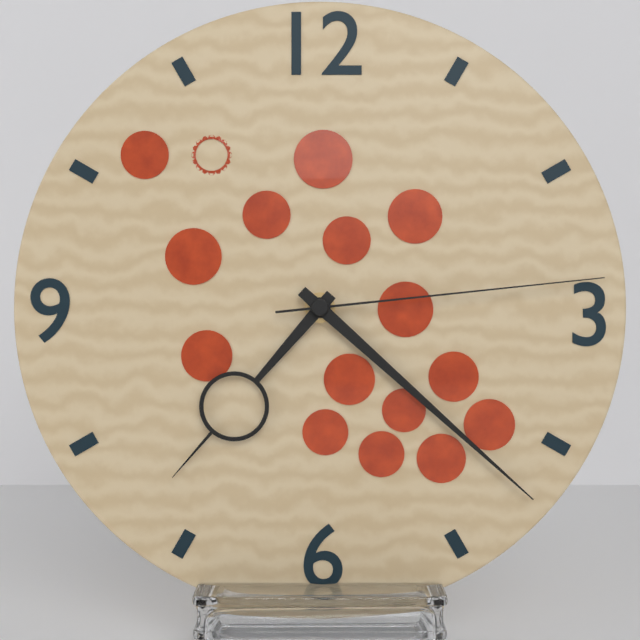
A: 7:22:14
